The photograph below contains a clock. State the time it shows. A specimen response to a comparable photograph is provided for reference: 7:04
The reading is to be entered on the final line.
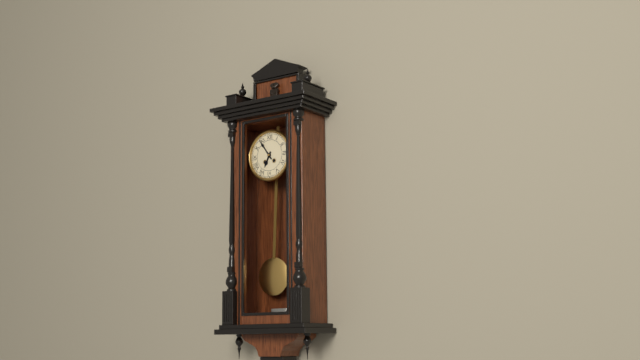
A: 6:54
